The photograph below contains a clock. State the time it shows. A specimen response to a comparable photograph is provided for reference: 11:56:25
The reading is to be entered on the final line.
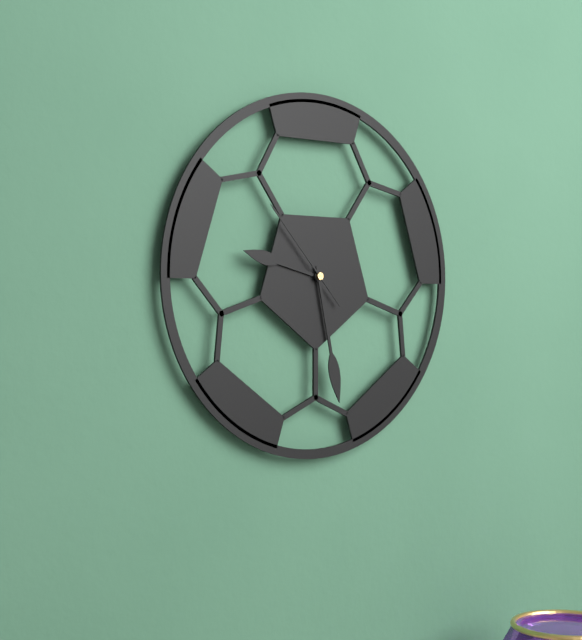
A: 9:28:53
